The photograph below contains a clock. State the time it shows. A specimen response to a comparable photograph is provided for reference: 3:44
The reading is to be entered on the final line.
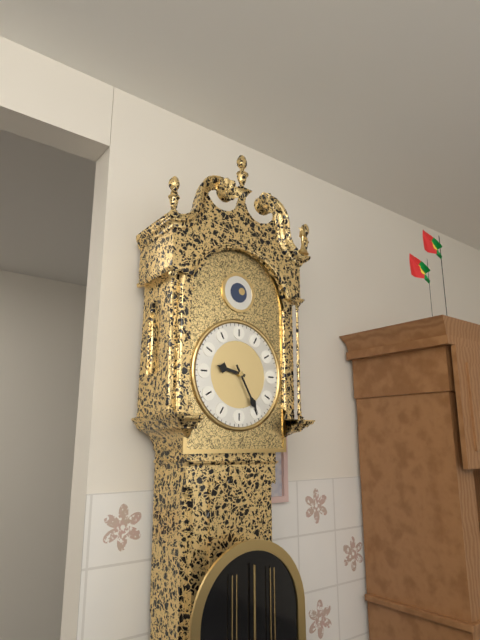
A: 9:25
